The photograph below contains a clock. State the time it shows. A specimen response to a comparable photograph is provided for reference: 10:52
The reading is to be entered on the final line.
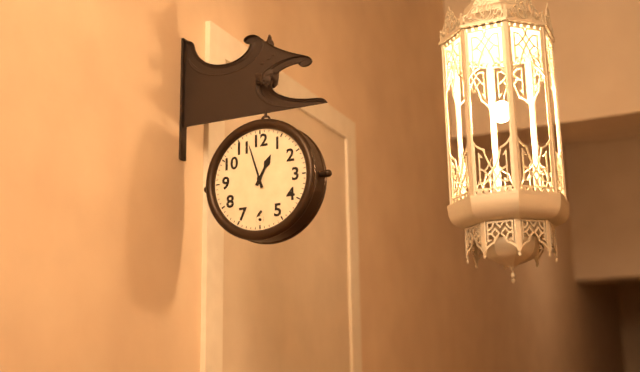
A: 12:57
